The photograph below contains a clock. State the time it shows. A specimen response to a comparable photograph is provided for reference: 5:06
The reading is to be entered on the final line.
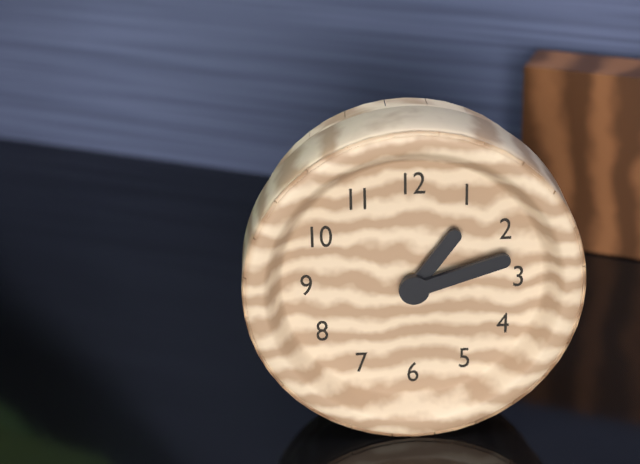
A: 1:12
